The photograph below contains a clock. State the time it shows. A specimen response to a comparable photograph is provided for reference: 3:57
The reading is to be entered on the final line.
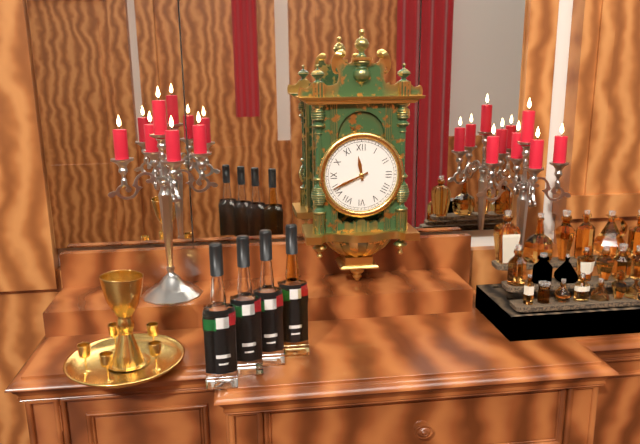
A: 11:41
